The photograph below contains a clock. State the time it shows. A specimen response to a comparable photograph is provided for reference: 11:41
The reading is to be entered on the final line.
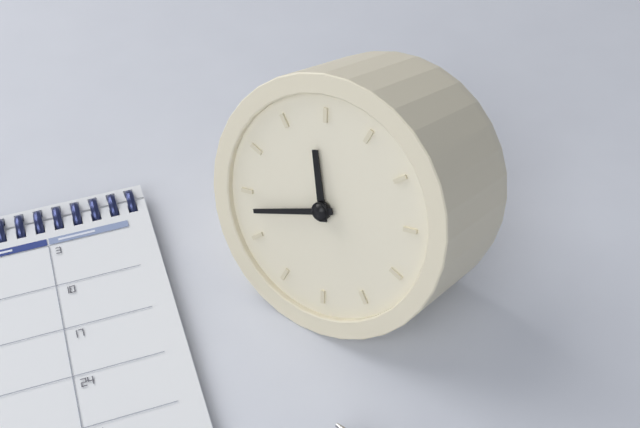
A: 11:43
